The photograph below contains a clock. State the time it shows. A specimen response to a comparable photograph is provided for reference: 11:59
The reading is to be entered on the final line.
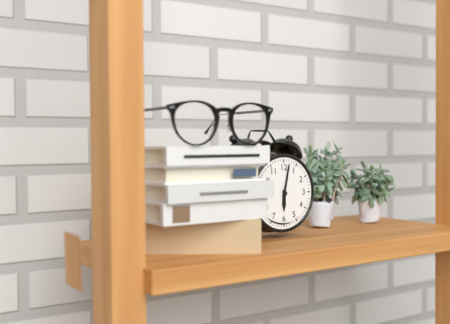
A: 6:02
